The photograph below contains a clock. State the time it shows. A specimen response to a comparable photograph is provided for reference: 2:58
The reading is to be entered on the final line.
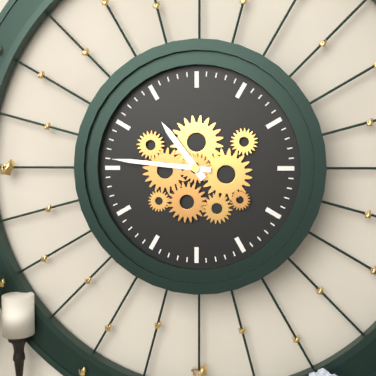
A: 10:46
